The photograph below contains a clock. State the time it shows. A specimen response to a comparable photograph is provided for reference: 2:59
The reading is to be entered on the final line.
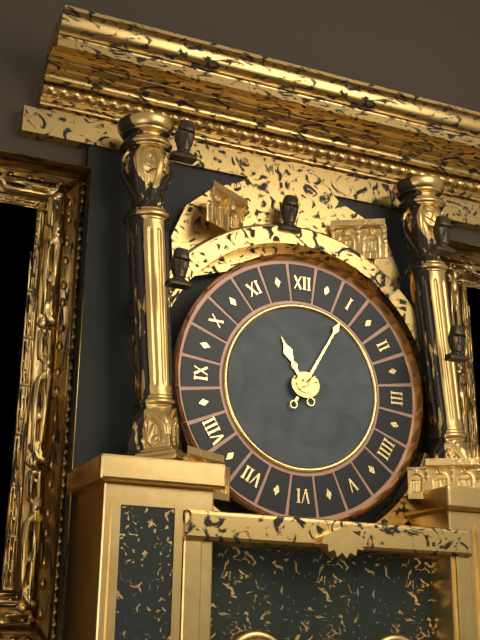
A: 11:05
